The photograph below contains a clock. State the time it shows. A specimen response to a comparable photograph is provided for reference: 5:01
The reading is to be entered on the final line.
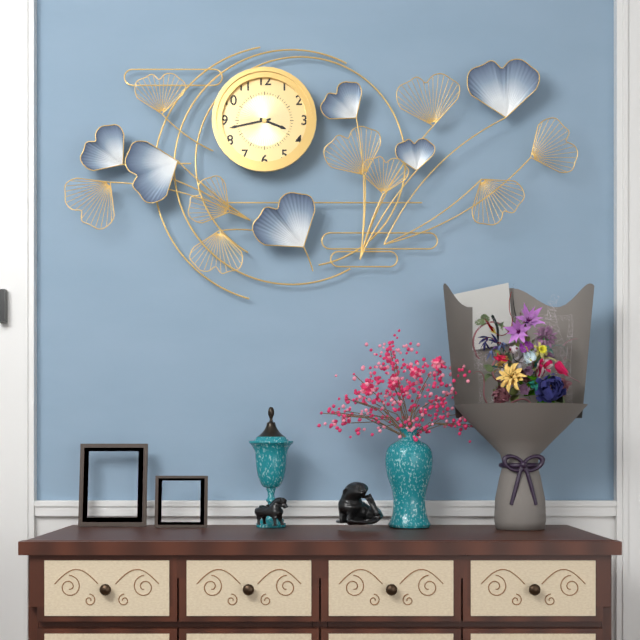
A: 3:43
